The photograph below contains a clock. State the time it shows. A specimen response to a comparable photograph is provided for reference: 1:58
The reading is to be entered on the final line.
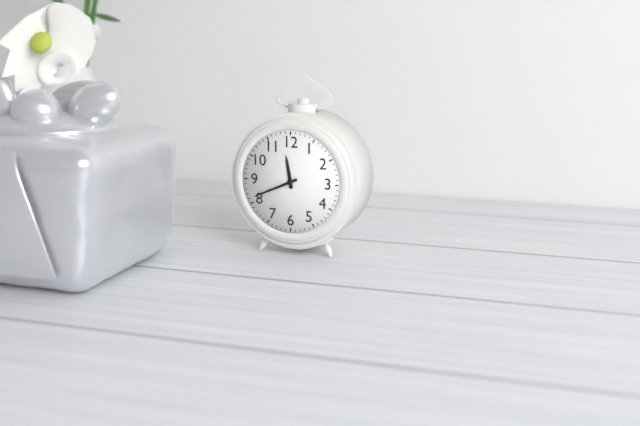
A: 11:41
